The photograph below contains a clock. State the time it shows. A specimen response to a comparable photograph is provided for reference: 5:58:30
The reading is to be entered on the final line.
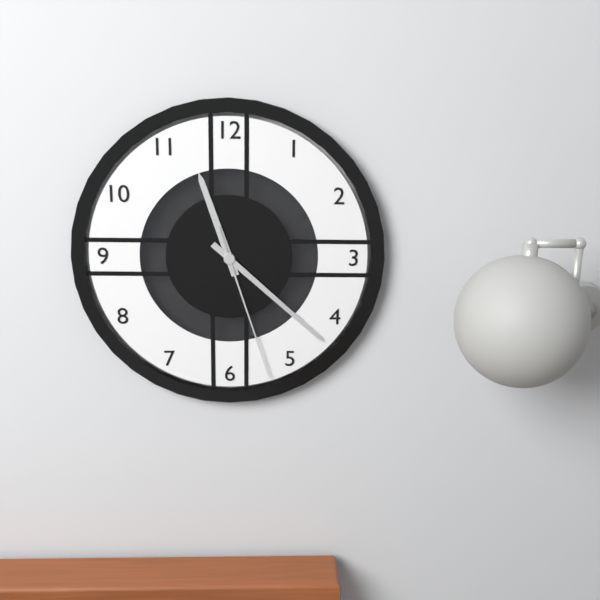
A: 11:22:27
